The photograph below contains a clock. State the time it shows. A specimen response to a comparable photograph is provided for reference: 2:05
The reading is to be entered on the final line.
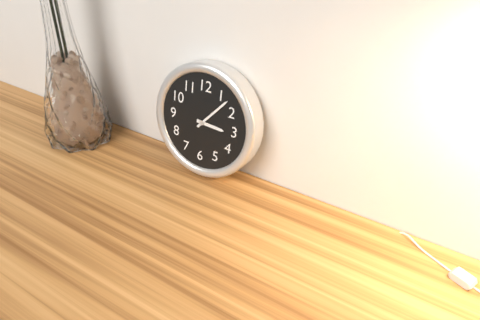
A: 3:07
